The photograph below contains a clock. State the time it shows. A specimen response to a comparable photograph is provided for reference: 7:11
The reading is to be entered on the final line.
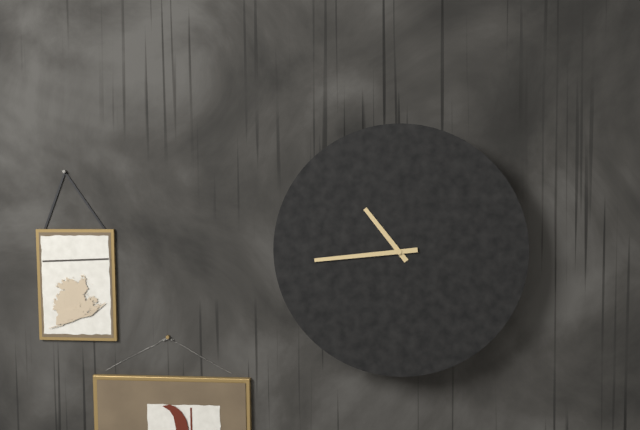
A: 10:44
